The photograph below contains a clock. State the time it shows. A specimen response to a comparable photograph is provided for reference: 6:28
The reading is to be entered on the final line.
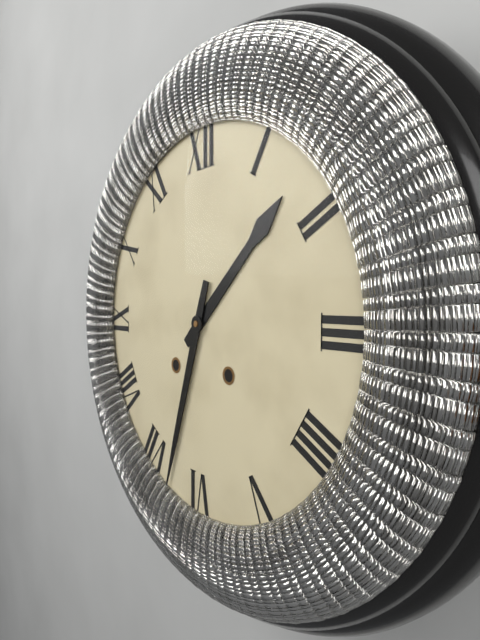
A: 1:33
